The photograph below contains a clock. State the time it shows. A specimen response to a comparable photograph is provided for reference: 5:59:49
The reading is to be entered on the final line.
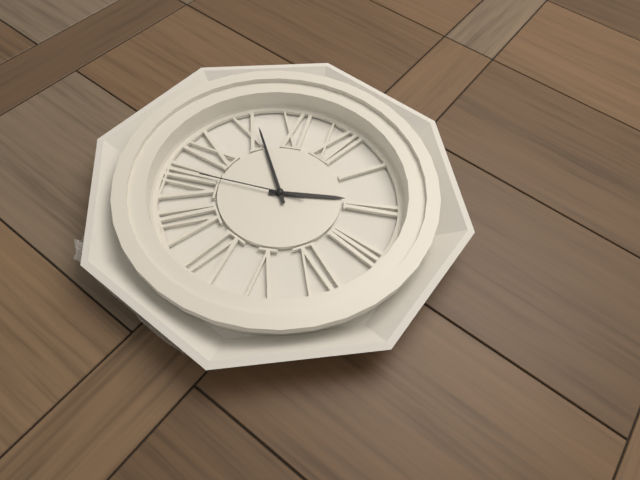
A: 1:51:41
